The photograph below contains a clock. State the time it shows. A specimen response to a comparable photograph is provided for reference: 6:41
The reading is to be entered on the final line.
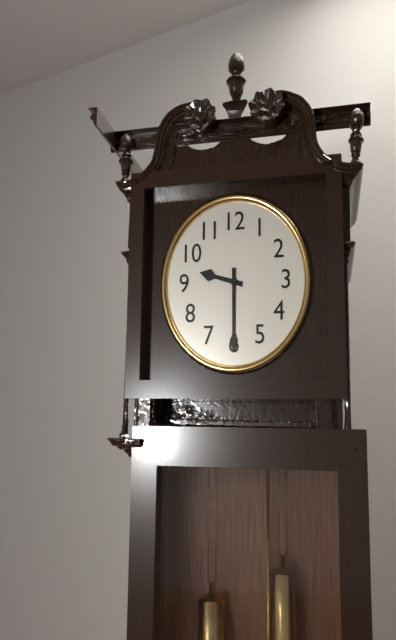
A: 9:30
